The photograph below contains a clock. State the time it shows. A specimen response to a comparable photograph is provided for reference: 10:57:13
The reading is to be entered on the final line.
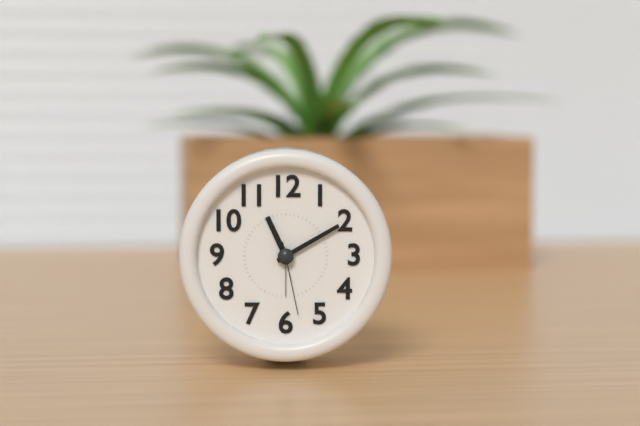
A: 11:10:28
